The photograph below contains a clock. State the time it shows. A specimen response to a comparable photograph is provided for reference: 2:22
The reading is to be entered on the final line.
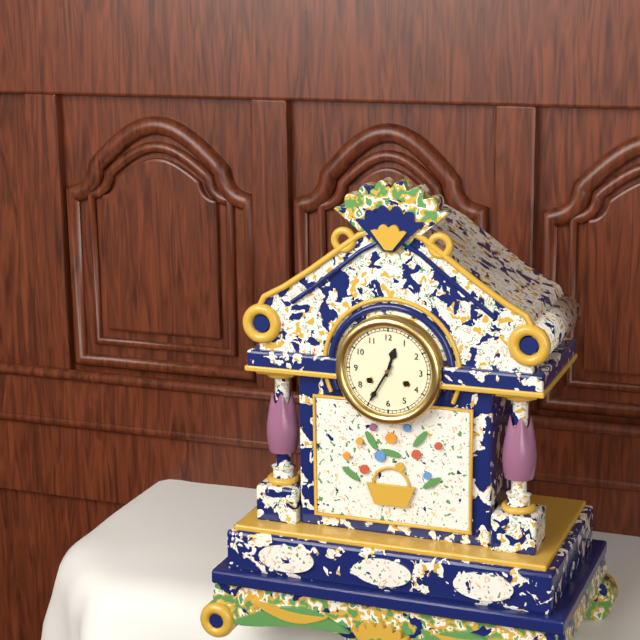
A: 12:35
